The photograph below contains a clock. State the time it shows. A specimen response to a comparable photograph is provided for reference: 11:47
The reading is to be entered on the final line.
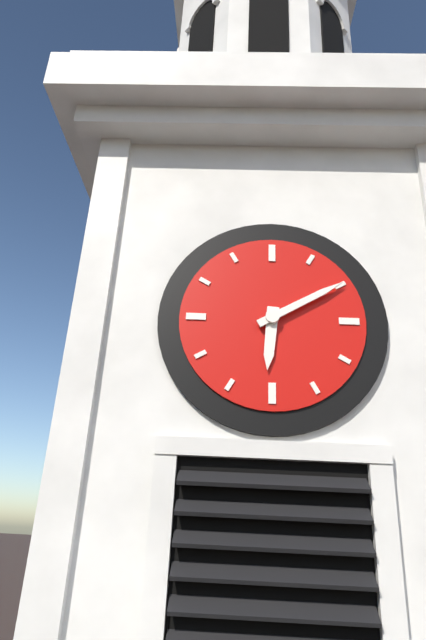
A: 6:10
